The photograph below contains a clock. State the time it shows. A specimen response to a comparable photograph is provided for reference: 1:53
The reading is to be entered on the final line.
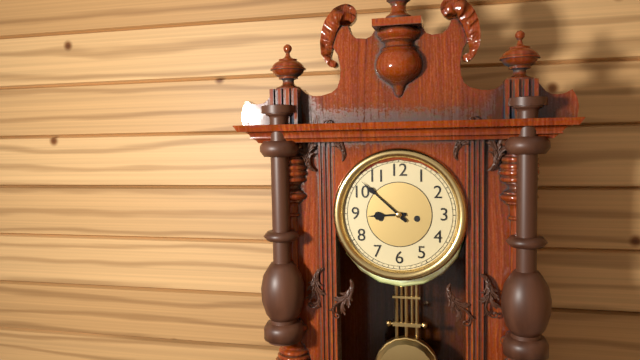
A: 8:52
